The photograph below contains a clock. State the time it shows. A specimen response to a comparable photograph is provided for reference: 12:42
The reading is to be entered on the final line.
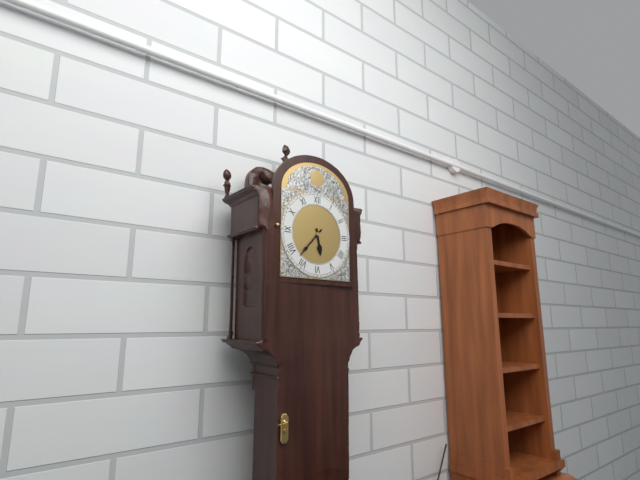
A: 5:37
